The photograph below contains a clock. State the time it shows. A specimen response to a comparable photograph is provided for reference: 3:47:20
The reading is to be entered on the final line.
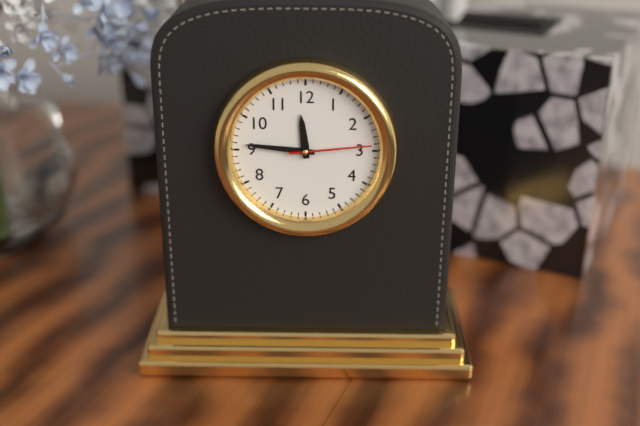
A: 11:46:14
